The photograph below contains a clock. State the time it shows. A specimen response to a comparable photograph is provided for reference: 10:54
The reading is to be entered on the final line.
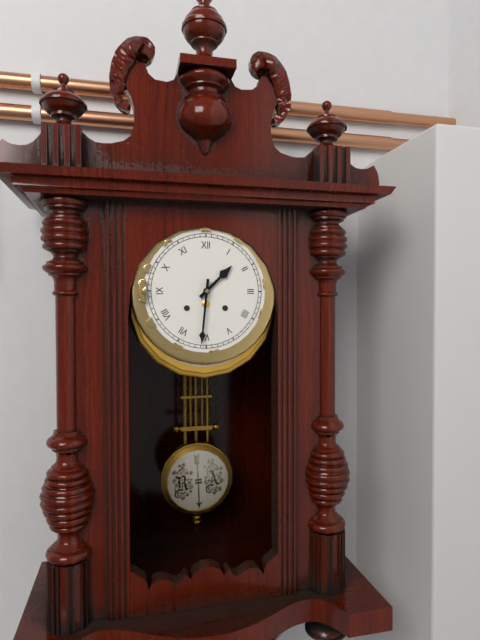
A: 1:31
